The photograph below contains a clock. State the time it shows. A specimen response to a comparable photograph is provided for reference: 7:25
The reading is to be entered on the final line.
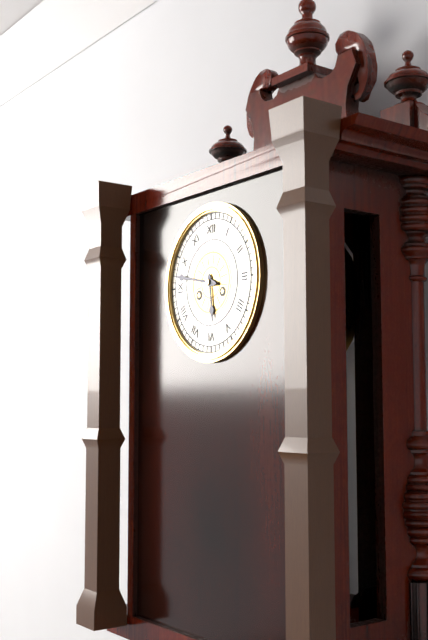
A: 5:47
